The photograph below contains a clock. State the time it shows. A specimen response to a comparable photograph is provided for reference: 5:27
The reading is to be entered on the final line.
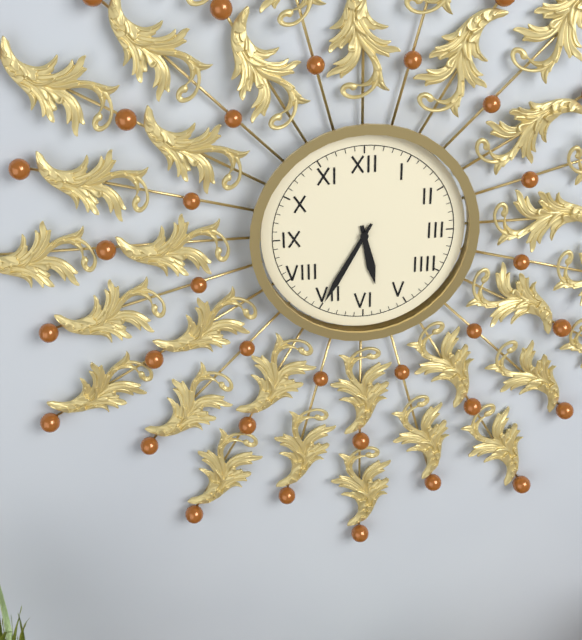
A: 5:35
